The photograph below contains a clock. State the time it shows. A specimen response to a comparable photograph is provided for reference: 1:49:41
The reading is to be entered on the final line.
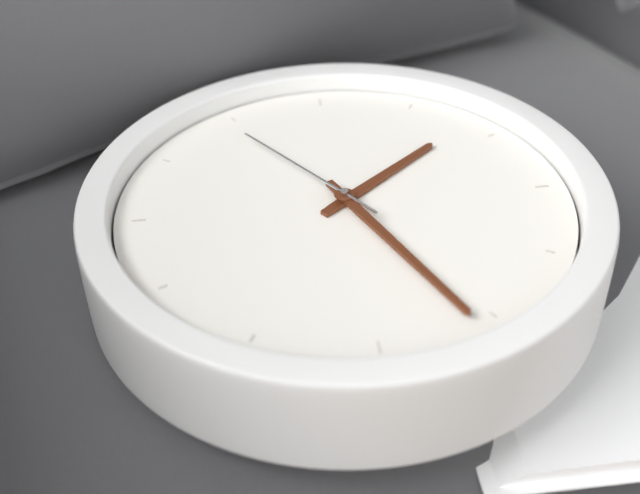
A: 4:41:09
